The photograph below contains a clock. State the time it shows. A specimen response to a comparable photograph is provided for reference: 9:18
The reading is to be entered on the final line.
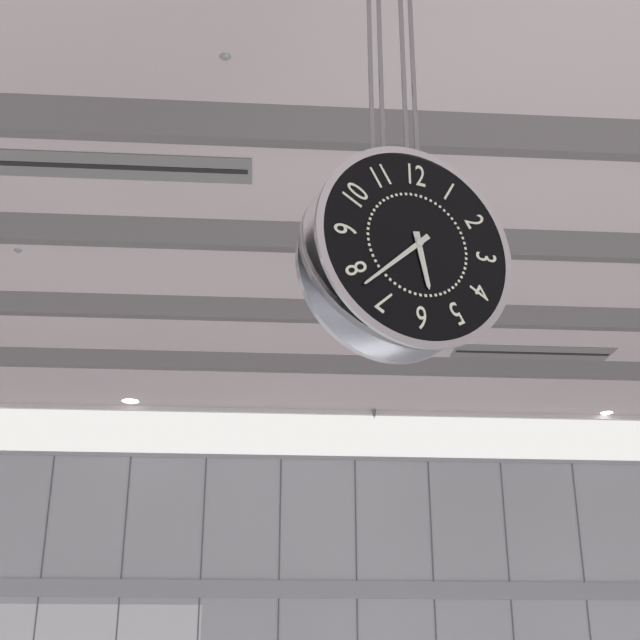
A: 5:38
